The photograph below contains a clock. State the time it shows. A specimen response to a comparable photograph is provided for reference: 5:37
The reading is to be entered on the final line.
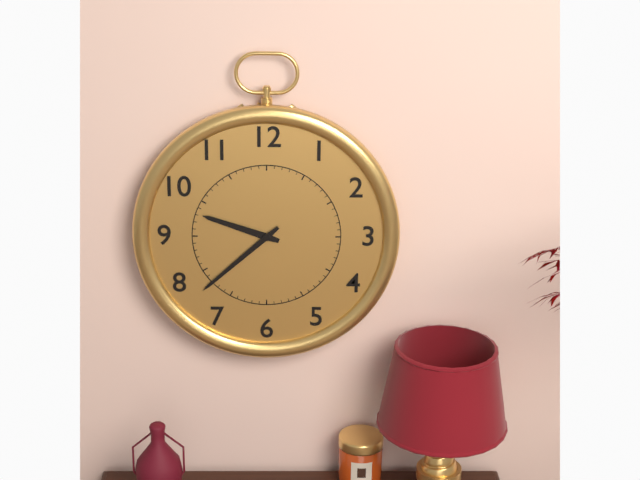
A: 9:38
